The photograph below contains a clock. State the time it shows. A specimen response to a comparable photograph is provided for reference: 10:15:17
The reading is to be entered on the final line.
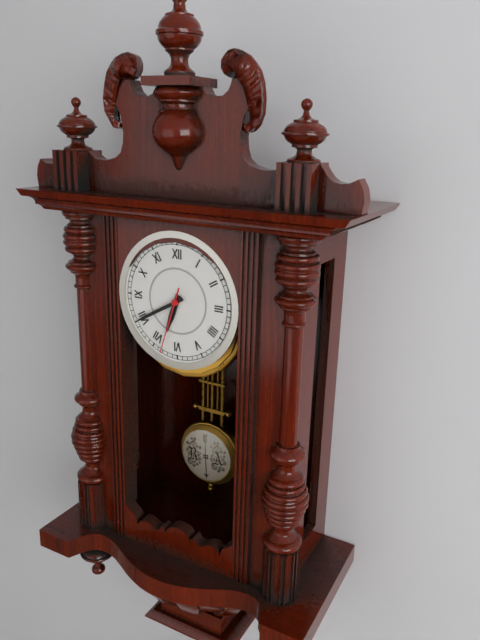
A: 6:40:33
